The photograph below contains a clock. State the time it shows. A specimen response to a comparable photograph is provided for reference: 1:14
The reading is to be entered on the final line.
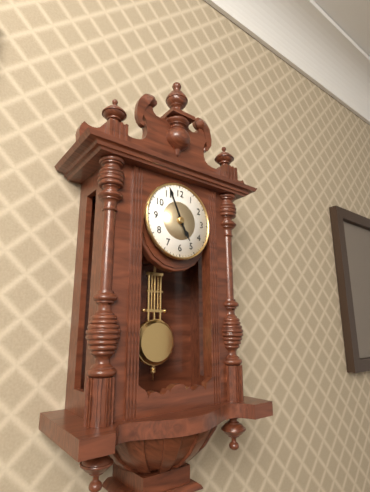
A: 4:56
